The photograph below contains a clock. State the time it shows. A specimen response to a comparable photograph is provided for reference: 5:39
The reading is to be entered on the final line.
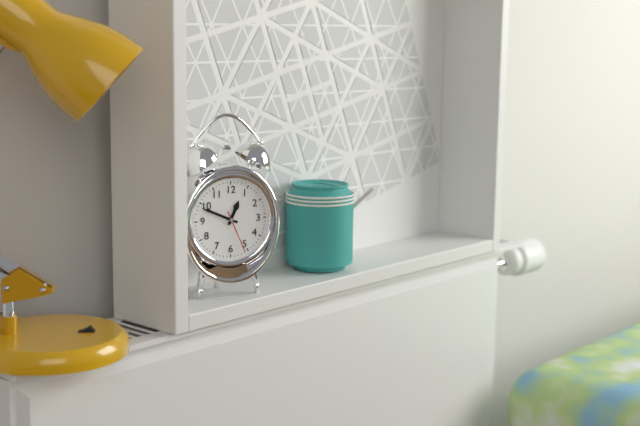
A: 12:49
